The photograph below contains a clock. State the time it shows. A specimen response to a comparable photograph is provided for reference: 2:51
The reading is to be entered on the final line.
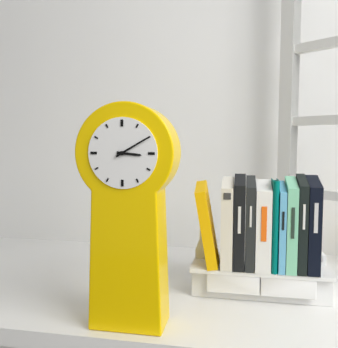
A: 3:10
